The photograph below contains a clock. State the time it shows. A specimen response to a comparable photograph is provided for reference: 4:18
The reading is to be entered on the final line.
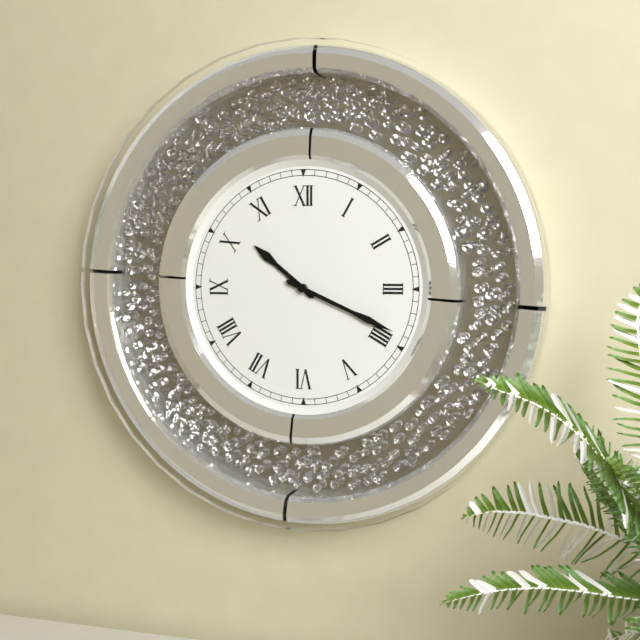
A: 10:19
